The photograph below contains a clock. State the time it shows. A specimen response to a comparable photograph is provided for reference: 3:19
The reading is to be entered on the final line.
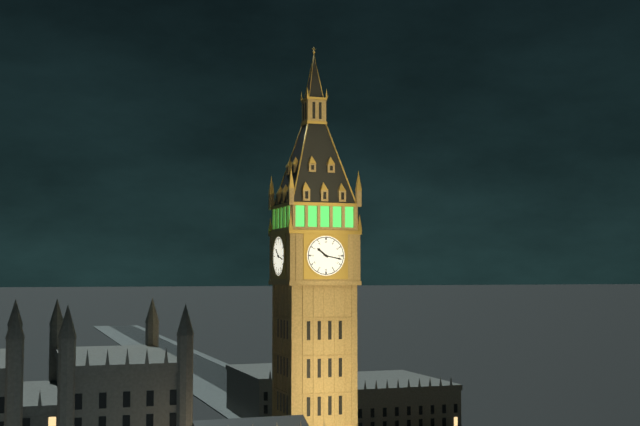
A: 10:17
